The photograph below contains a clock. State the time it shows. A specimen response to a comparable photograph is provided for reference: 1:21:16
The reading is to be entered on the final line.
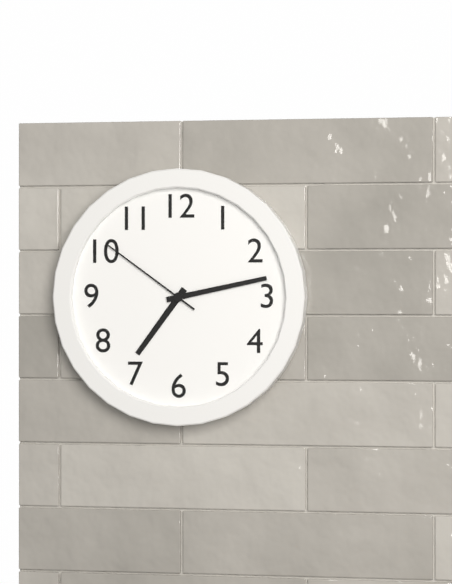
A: 7:13:51
